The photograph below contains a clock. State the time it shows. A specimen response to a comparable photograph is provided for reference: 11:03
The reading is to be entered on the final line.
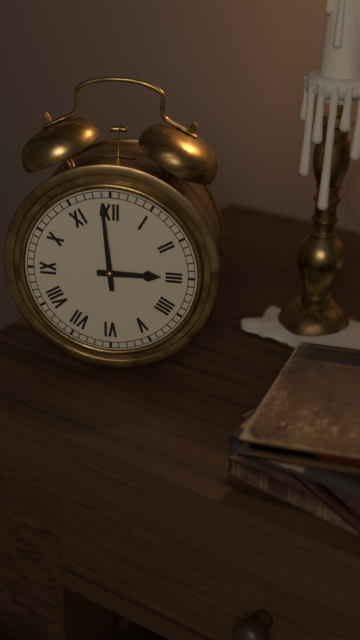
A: 2:59
